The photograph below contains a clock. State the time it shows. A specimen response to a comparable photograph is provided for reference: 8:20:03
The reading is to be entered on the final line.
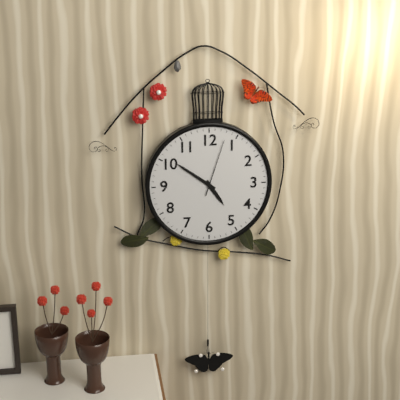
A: 4:51:03
